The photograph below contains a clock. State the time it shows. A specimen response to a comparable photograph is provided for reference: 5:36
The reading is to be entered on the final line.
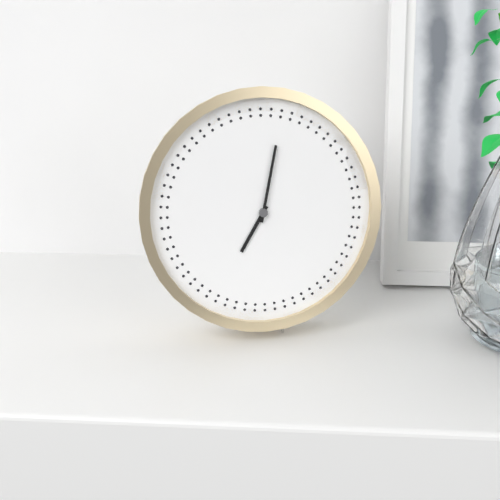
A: 7:02
